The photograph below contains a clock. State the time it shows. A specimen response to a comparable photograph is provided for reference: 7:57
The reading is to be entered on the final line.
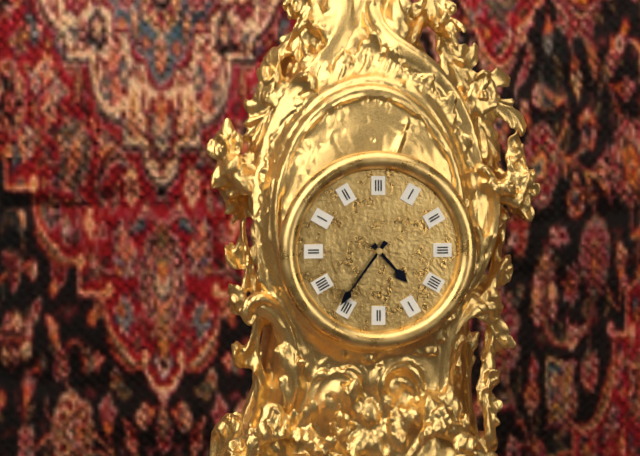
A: 4:36
